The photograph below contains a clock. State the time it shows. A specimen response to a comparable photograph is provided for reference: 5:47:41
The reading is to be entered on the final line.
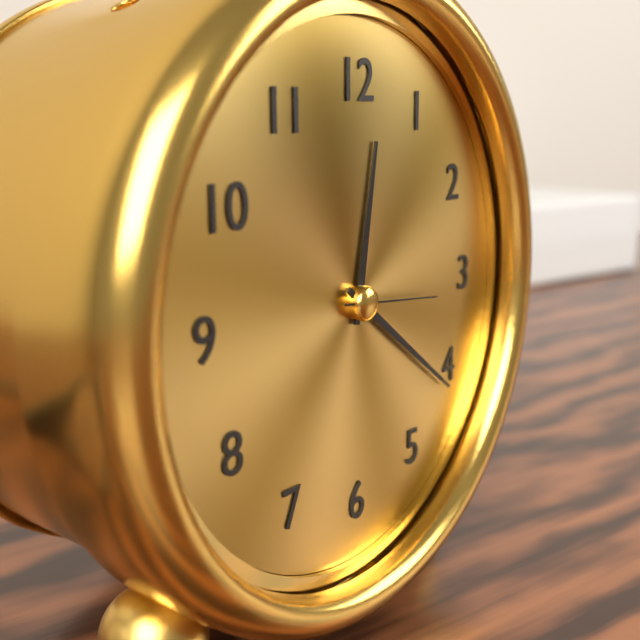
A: 12:21:16
